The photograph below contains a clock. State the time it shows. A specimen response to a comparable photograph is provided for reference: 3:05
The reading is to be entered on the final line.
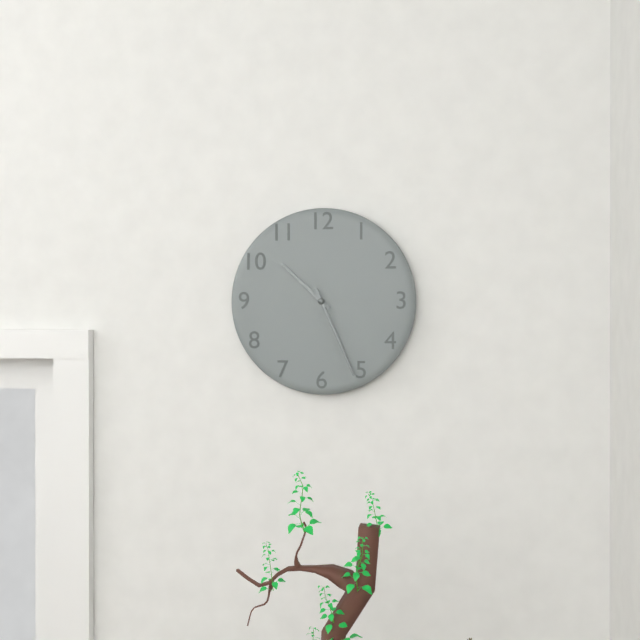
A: 10:26
